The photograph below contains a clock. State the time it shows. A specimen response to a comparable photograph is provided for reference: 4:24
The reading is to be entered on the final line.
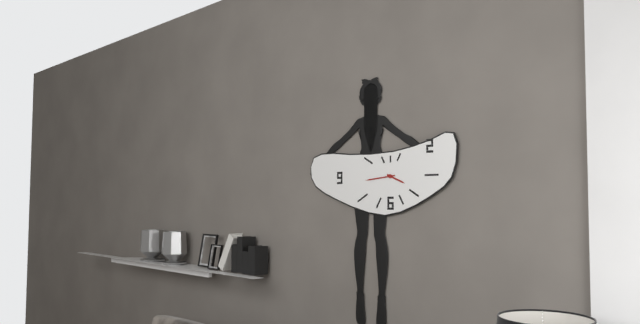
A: 3:44
